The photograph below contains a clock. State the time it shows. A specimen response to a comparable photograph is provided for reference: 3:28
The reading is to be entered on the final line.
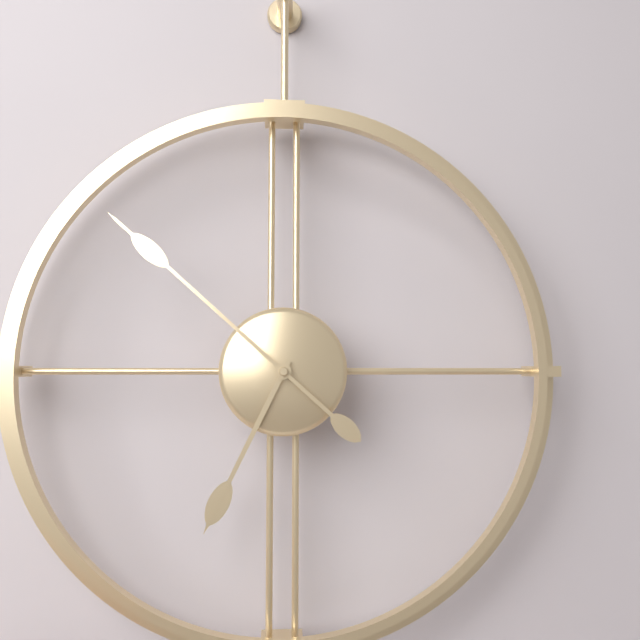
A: 6:52
